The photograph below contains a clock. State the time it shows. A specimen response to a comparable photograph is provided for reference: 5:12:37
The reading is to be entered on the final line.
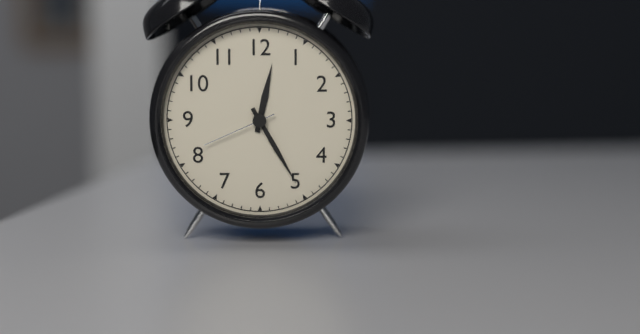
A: 12:25:41
